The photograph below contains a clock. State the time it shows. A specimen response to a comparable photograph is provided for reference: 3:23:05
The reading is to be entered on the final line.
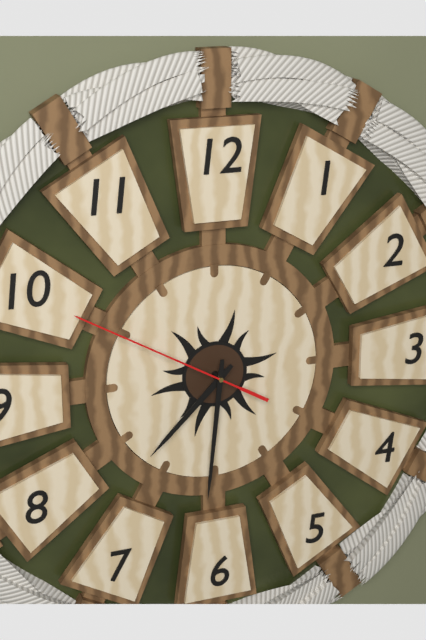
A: 7:31:50
